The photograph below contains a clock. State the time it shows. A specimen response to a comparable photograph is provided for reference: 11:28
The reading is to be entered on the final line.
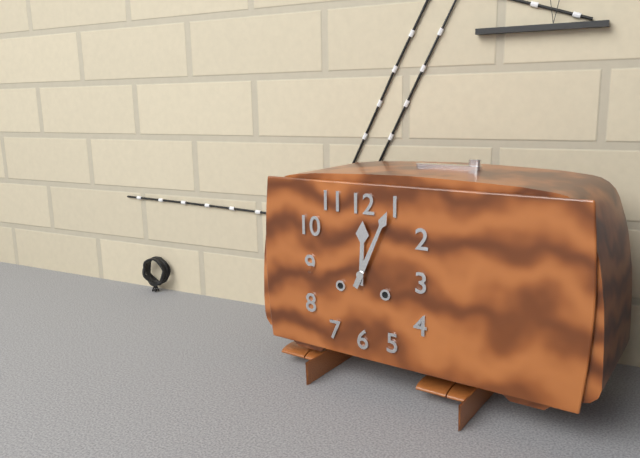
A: 12:04
